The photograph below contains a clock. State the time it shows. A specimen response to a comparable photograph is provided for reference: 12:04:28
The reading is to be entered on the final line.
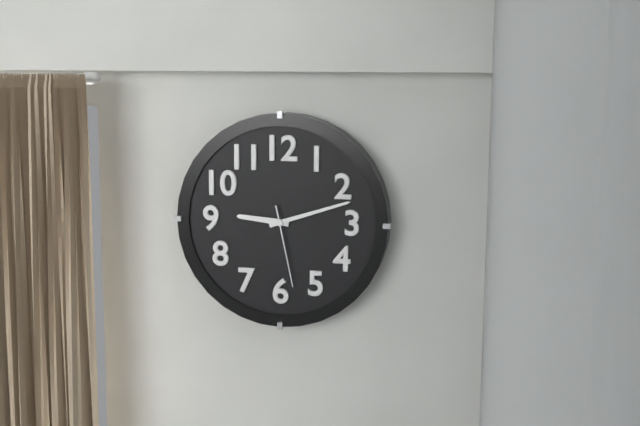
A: 9:12:28
